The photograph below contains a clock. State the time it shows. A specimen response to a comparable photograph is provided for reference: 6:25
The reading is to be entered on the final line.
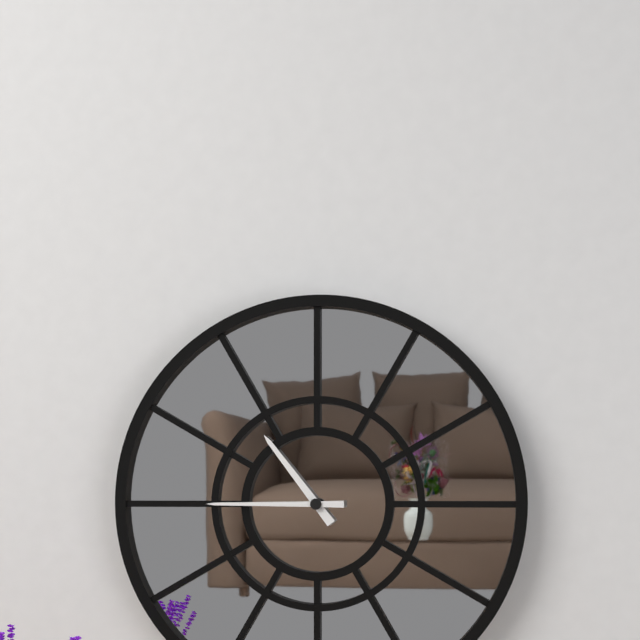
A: 10:45
